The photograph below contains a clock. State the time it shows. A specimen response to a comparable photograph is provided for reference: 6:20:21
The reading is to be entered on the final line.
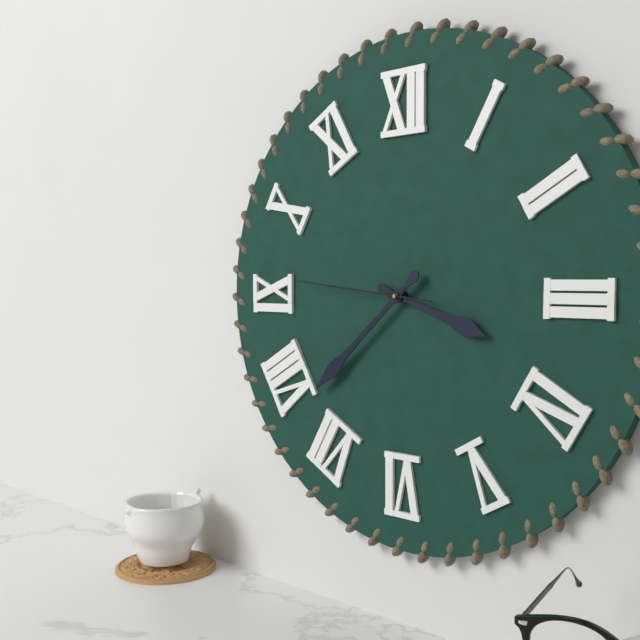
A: 3:38:46
